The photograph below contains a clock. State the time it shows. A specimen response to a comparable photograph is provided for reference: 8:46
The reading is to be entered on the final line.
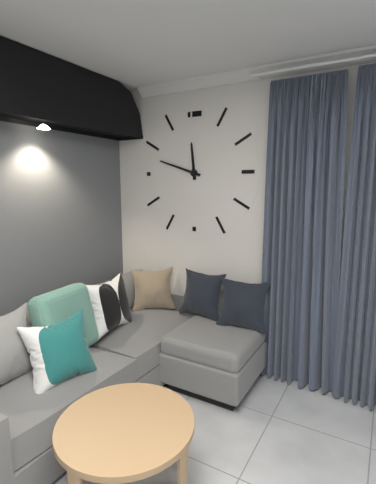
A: 11:48
